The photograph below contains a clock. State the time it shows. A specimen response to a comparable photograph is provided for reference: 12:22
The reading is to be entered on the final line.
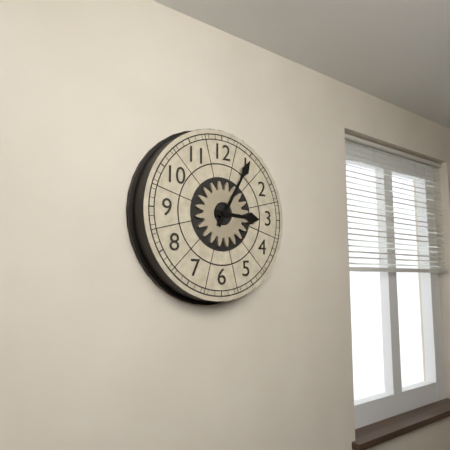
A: 3:05
